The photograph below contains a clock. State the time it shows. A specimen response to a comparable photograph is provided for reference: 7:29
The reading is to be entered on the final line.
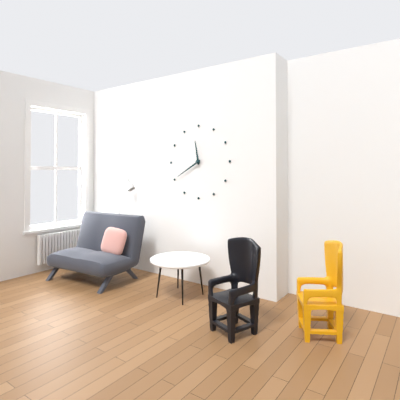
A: 11:40
